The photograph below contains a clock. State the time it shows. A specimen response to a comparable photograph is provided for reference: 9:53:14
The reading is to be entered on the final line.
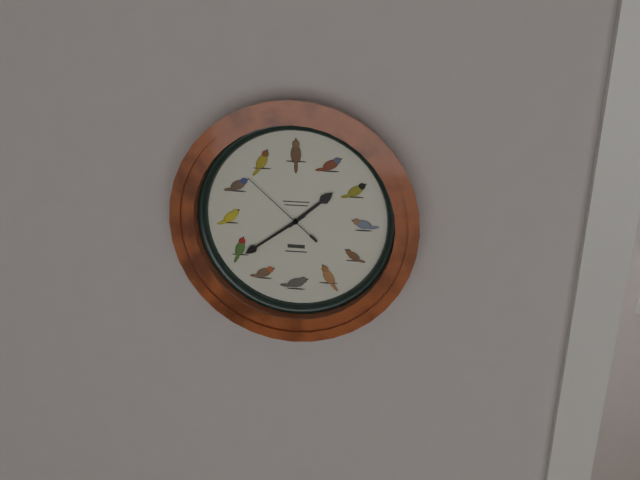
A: 1:39:52
